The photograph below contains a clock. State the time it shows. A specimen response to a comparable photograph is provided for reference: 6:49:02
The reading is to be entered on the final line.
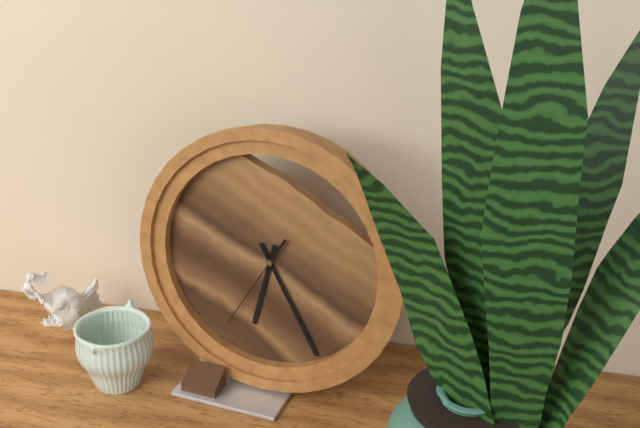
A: 6:25:35
